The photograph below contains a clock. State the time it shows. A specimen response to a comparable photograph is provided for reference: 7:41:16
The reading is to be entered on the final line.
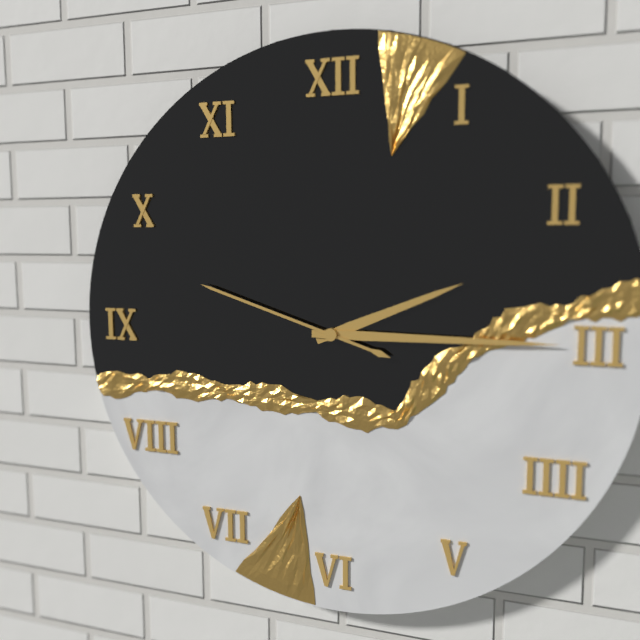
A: 2:15:48
